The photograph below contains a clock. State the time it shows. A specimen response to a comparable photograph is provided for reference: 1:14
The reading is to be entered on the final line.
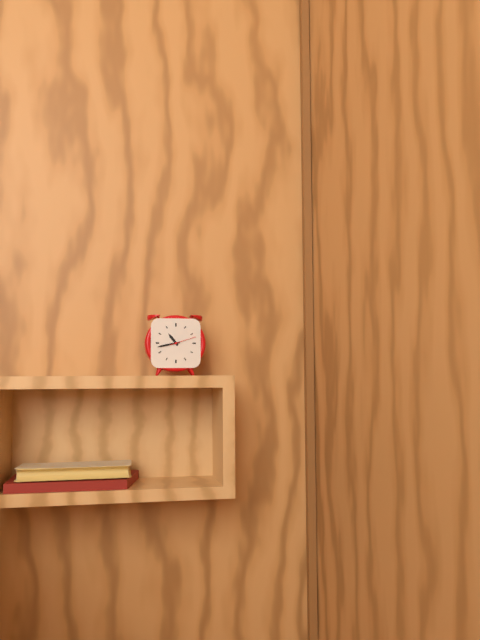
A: 10:43
